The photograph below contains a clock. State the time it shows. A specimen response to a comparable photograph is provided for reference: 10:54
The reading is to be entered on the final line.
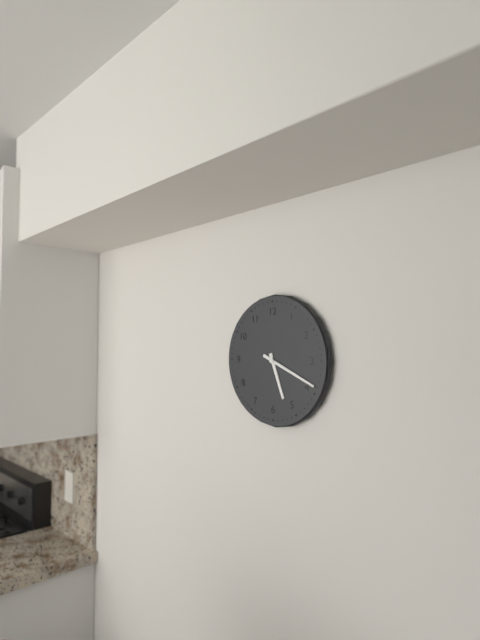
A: 5:19
